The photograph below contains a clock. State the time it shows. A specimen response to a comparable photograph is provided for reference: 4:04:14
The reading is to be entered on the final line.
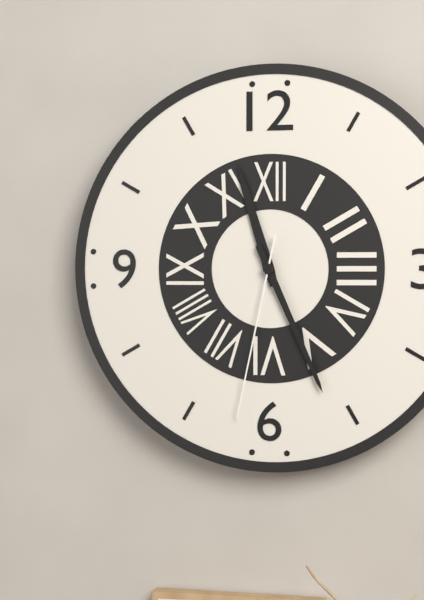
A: 11:26:32
